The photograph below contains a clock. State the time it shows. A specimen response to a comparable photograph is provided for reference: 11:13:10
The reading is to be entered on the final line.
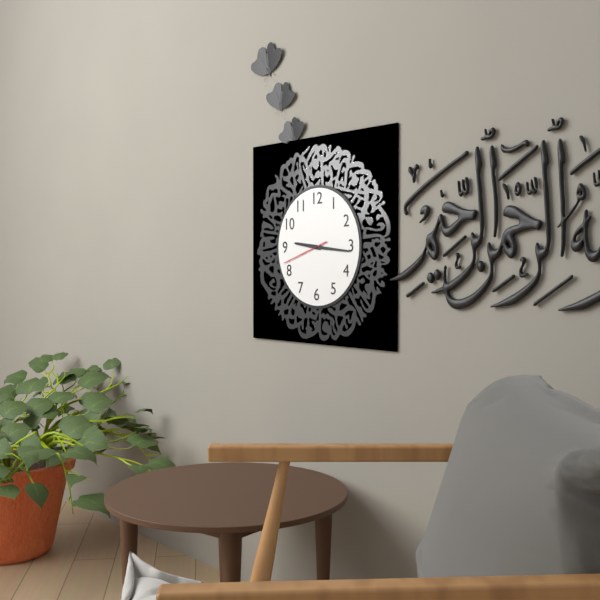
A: 9:16:42
